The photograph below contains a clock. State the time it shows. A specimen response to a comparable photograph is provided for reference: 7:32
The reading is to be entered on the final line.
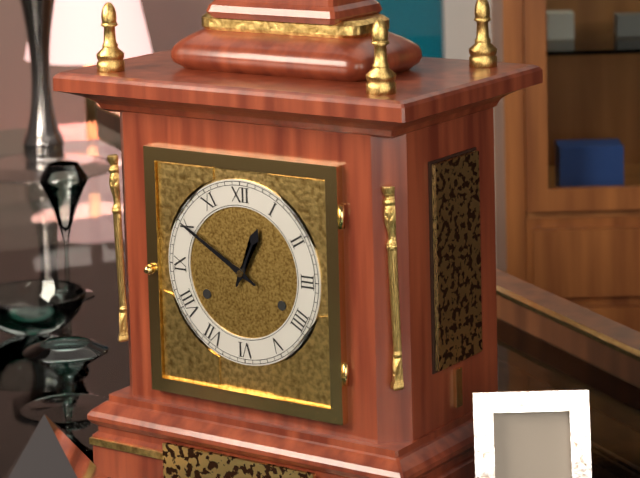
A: 12:50
